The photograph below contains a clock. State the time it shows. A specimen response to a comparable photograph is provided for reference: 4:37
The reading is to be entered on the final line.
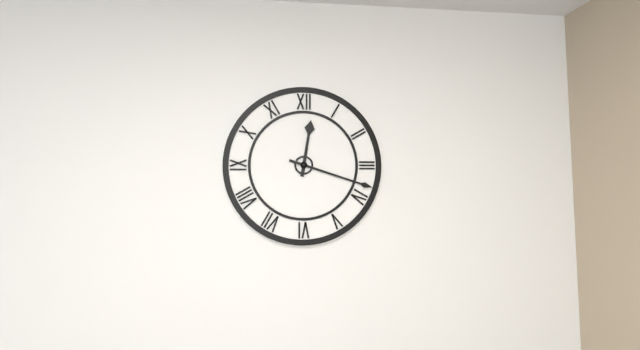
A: 12:18
